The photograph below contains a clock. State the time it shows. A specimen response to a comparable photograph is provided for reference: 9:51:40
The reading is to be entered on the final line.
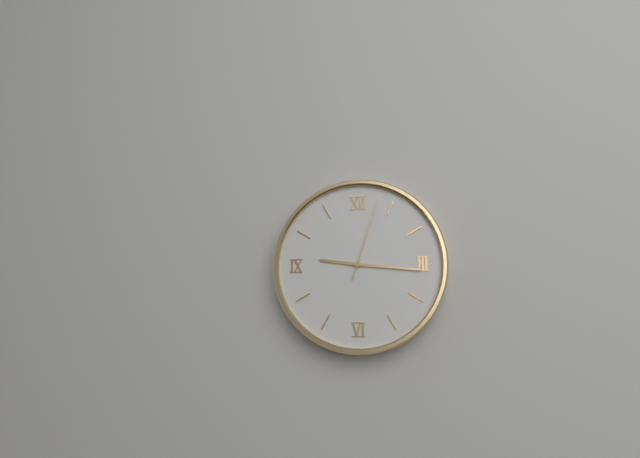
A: 9:16:03
